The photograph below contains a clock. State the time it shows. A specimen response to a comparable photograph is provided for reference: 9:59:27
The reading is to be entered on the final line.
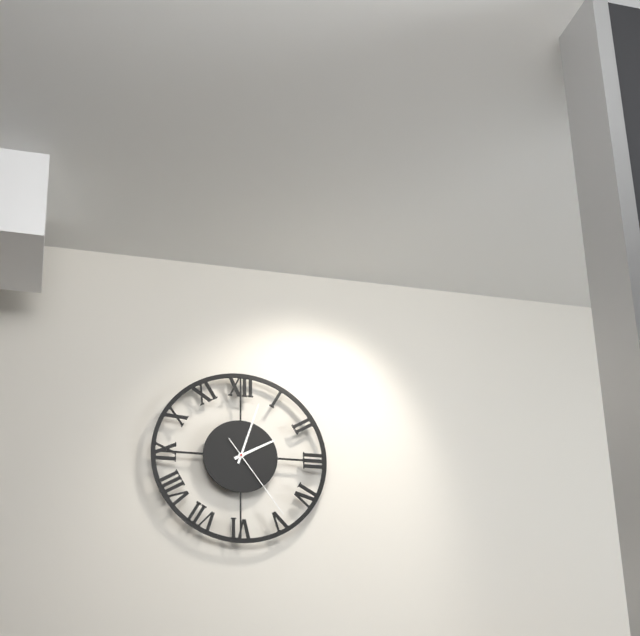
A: 2:03:24
